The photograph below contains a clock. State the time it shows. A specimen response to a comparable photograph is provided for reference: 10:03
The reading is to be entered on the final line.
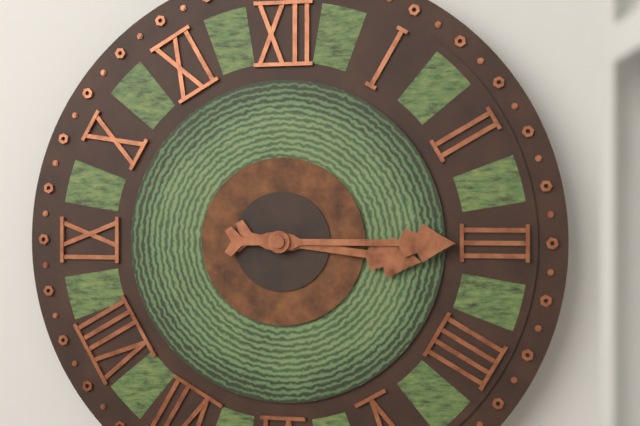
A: 3:15
